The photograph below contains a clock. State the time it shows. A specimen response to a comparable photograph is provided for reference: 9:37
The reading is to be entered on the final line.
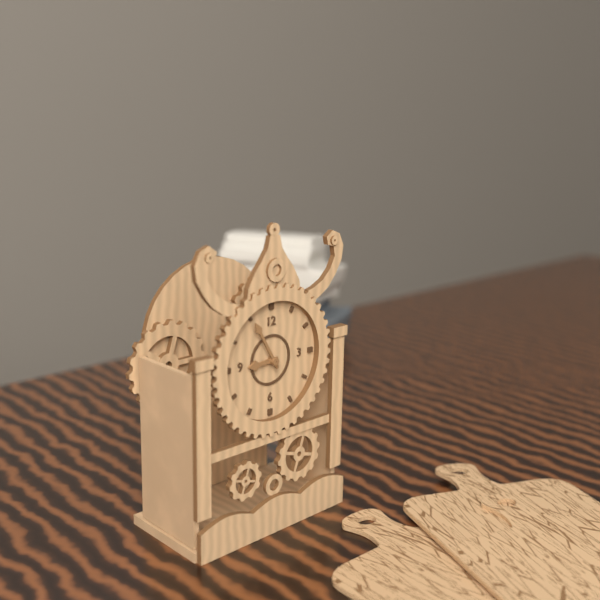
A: 8:55
